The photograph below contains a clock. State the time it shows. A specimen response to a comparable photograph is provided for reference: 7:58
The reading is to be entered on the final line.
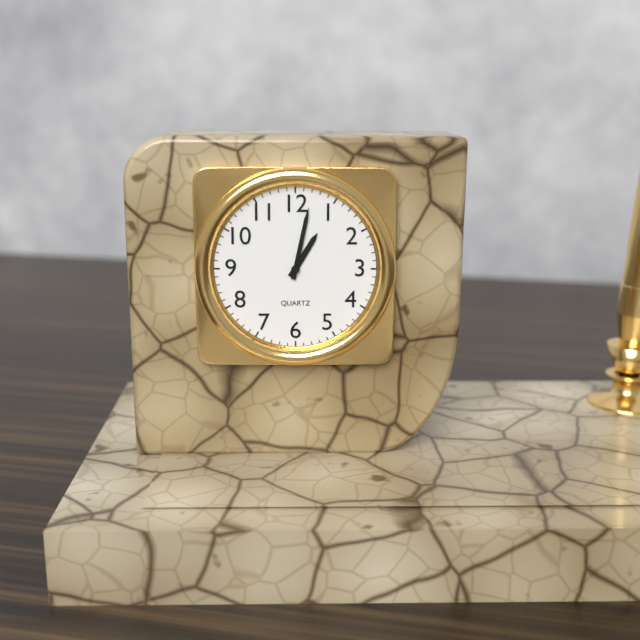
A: 1:02
